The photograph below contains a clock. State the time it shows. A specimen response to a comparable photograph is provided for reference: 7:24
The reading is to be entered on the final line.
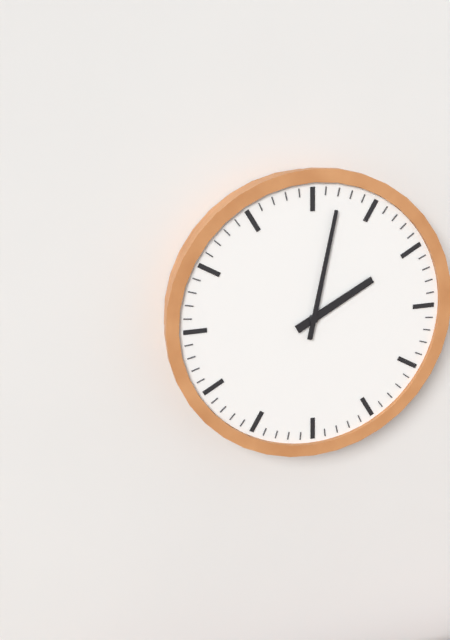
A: 2:02
